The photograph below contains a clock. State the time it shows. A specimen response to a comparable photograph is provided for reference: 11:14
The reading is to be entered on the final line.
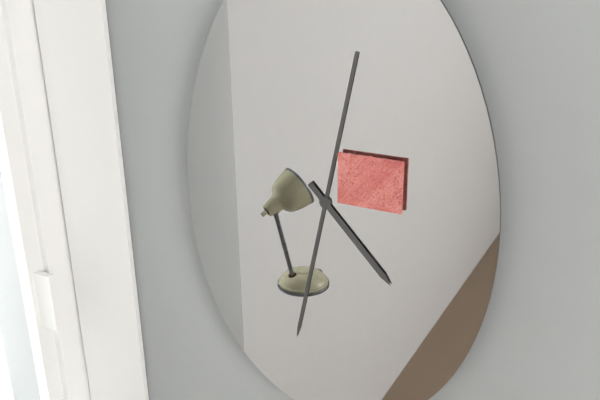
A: 4:32
